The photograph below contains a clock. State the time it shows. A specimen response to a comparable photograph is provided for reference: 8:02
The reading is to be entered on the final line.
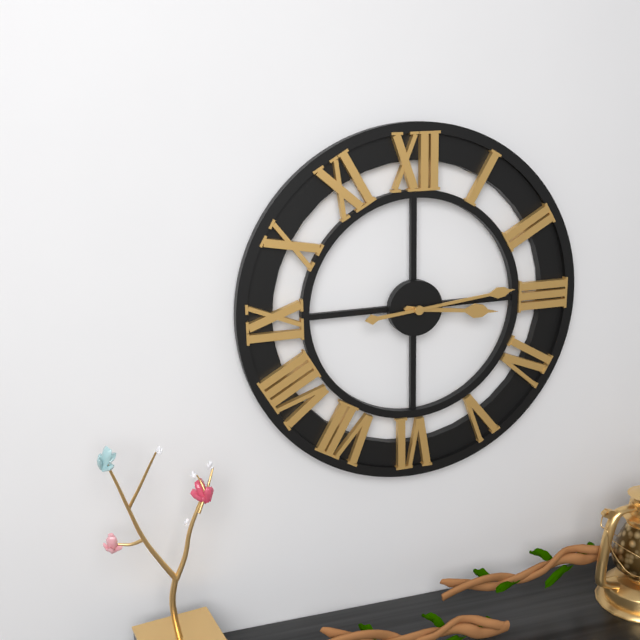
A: 3:14
